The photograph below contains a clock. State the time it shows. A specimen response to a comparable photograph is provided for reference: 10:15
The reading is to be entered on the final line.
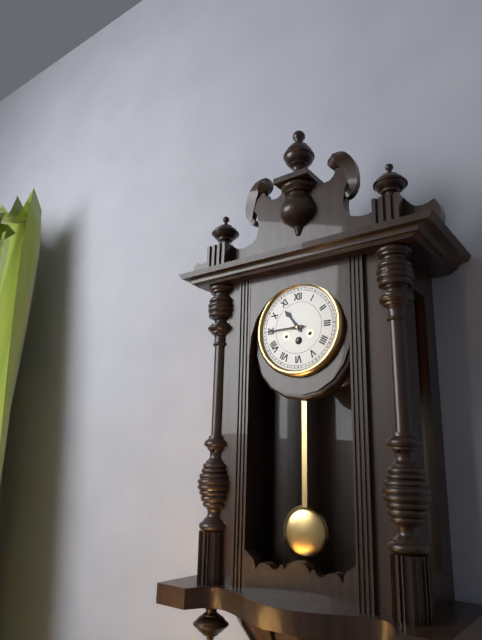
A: 10:45
